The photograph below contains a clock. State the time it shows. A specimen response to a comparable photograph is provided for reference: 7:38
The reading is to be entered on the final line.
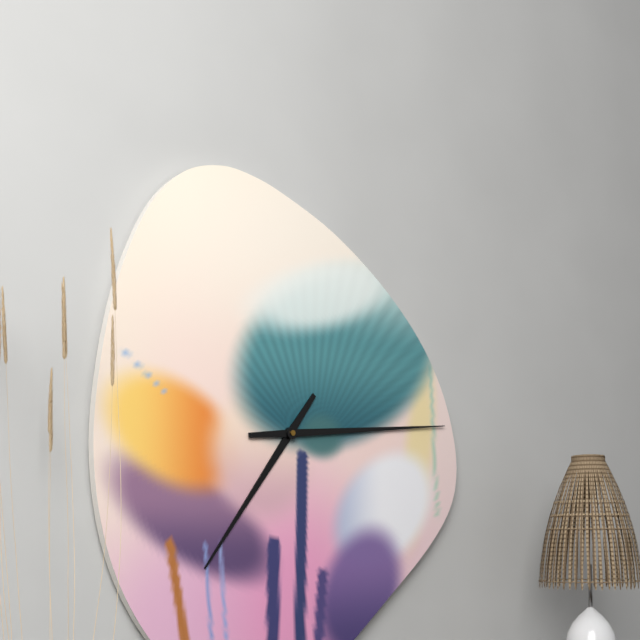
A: 7:14
